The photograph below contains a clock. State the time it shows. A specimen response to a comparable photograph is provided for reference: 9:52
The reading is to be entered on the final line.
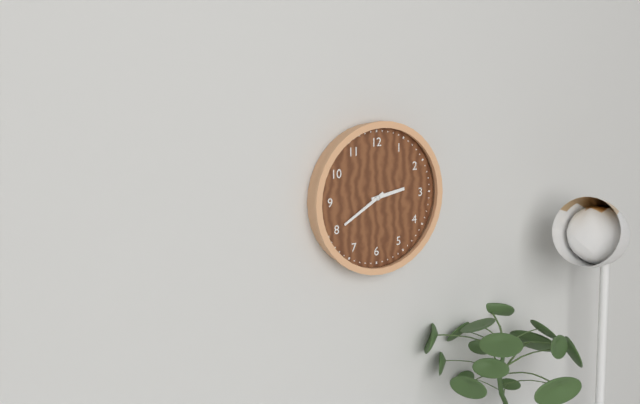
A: 2:40
